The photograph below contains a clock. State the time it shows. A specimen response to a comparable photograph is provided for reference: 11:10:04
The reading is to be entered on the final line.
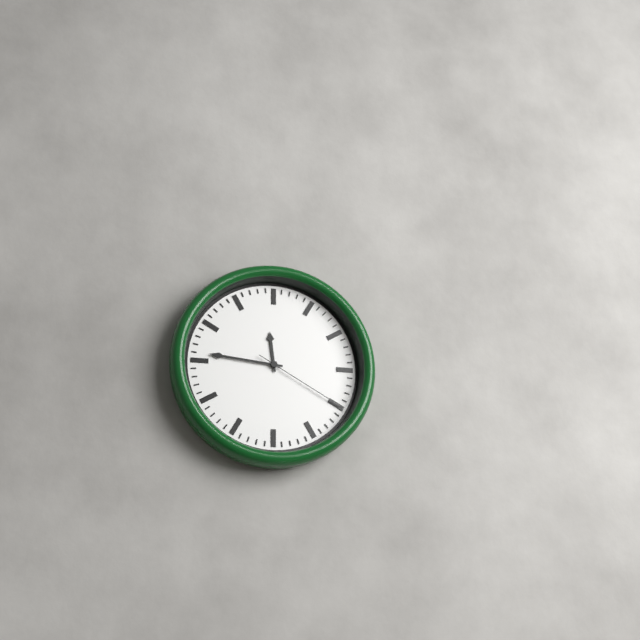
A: 11:46:20
